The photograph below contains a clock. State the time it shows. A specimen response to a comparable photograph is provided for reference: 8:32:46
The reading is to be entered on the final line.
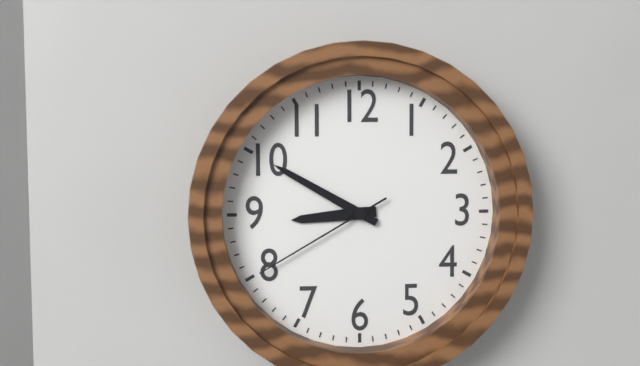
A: 8:50:40
